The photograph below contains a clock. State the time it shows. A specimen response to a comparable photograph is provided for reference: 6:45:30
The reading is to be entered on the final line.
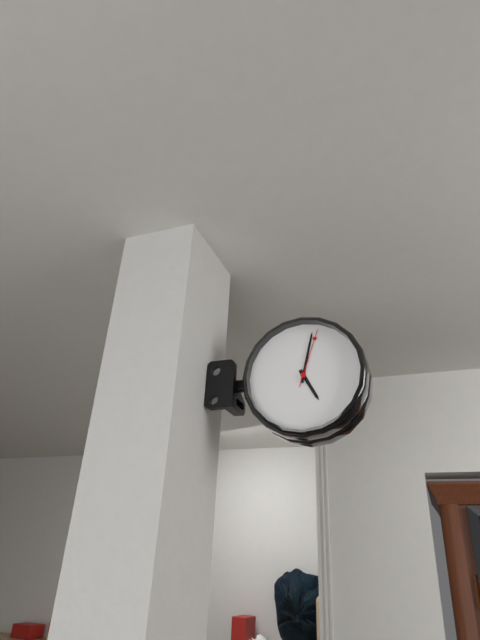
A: 5:02:03
